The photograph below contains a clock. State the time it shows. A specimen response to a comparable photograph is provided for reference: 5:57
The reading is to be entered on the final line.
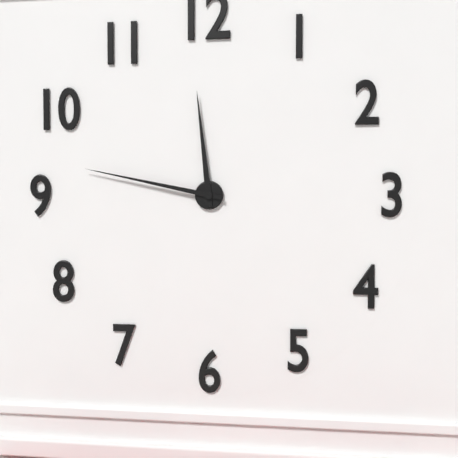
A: 11:47
